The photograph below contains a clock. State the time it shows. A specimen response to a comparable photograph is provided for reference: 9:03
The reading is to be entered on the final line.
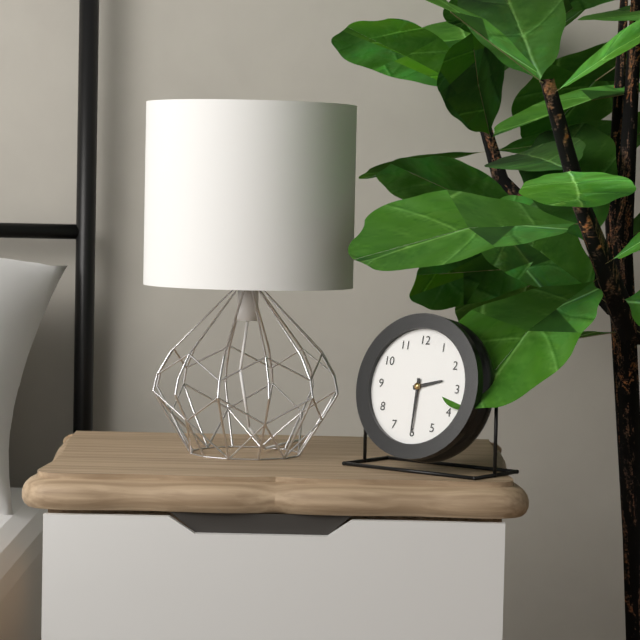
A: 2:30
